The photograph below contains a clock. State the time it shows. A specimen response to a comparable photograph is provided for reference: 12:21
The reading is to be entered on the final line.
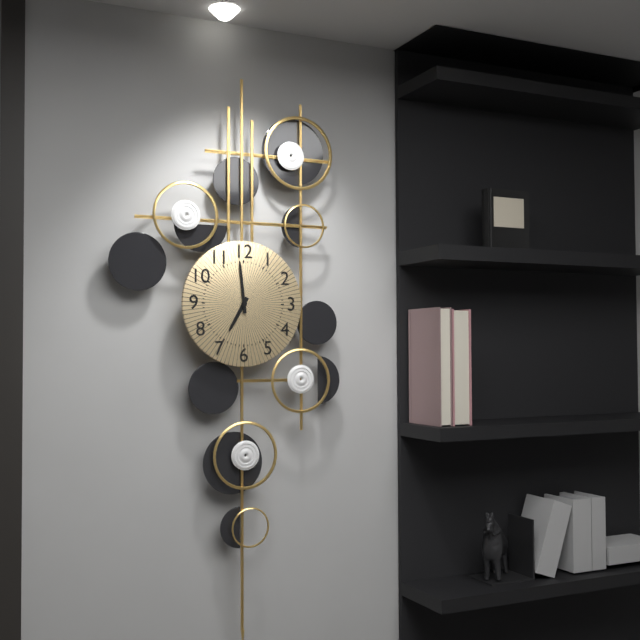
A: 6:59
